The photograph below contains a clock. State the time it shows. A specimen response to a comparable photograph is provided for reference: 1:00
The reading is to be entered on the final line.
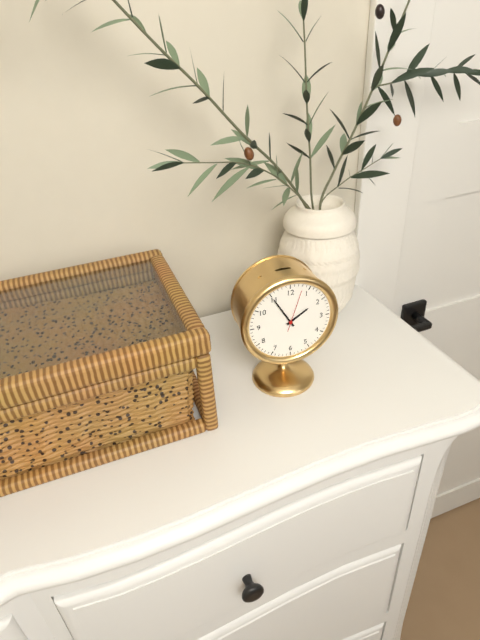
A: 1:55
